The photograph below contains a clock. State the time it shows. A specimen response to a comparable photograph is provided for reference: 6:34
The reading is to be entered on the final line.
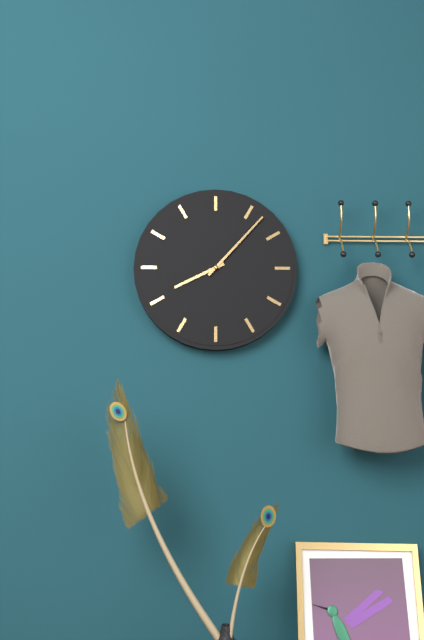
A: 8:07
